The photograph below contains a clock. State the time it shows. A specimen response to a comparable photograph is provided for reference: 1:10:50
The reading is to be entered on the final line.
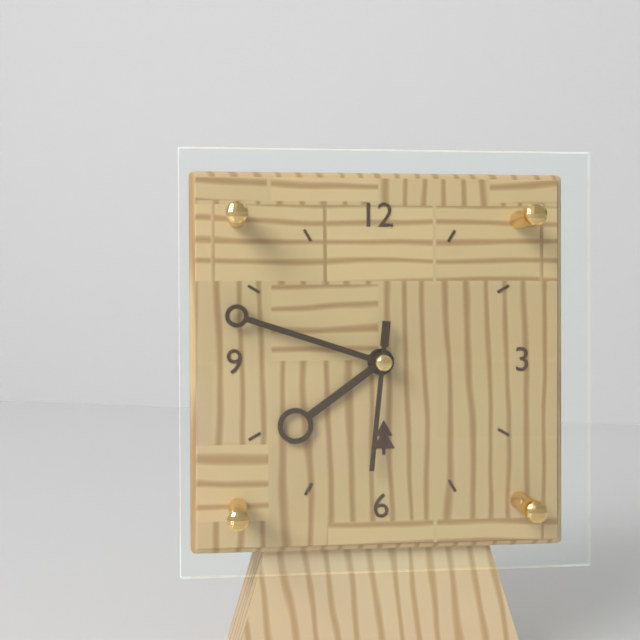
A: 7:48:31
